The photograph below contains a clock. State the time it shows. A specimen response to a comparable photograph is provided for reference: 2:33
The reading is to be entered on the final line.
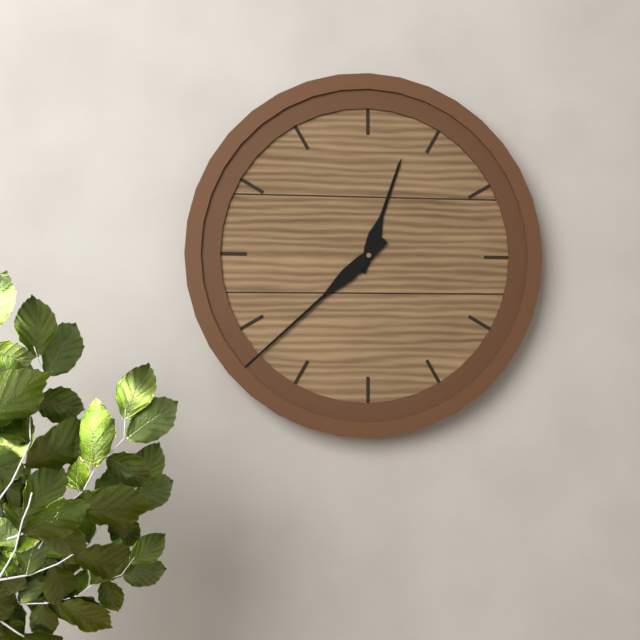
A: 12:38
